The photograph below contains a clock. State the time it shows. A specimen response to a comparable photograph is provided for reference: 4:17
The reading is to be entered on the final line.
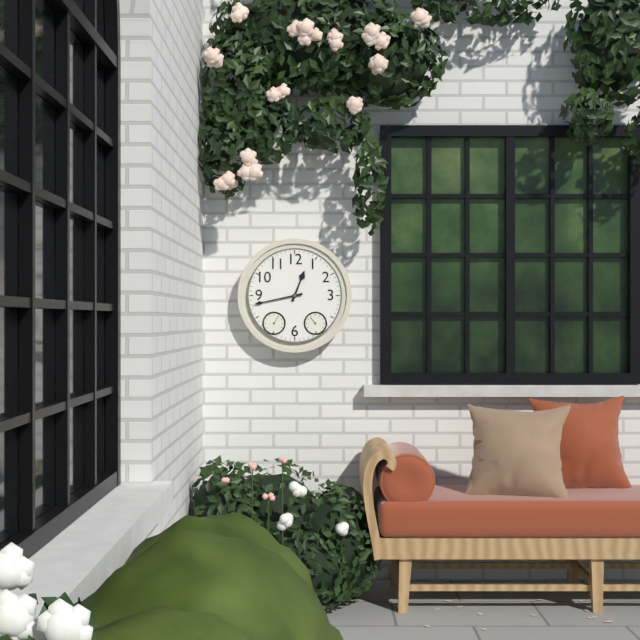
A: 12:43
